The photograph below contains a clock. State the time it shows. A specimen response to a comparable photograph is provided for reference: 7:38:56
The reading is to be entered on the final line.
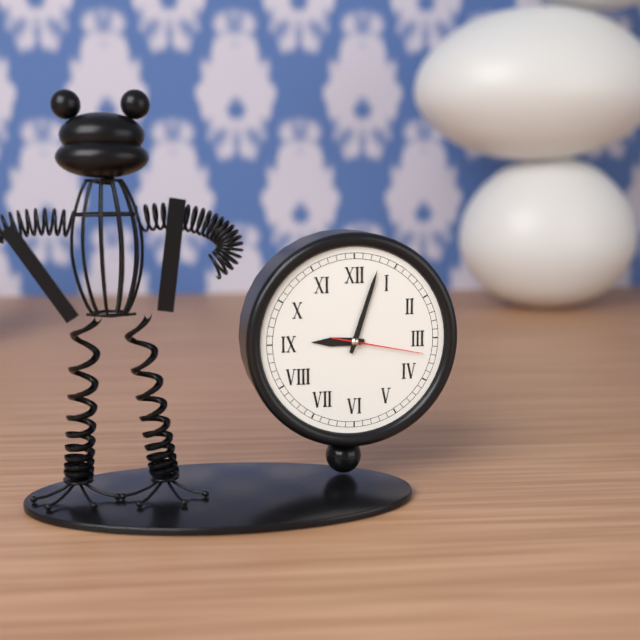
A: 9:03:17
